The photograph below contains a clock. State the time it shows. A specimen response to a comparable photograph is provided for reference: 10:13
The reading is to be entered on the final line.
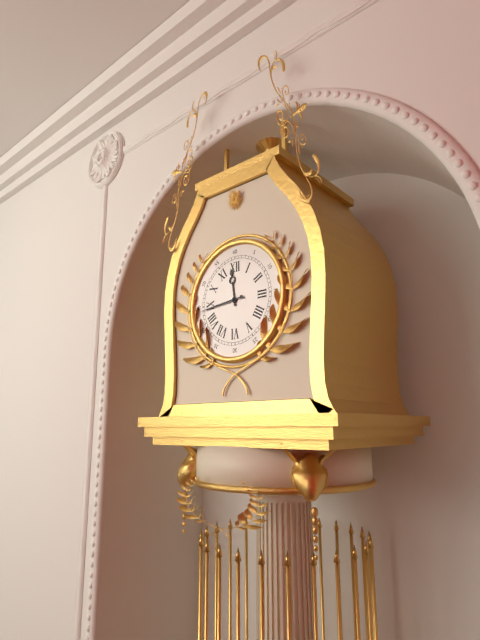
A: 11:44
